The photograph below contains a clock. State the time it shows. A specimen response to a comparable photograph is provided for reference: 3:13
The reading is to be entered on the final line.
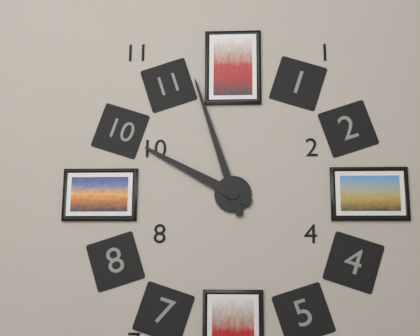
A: 9:57
